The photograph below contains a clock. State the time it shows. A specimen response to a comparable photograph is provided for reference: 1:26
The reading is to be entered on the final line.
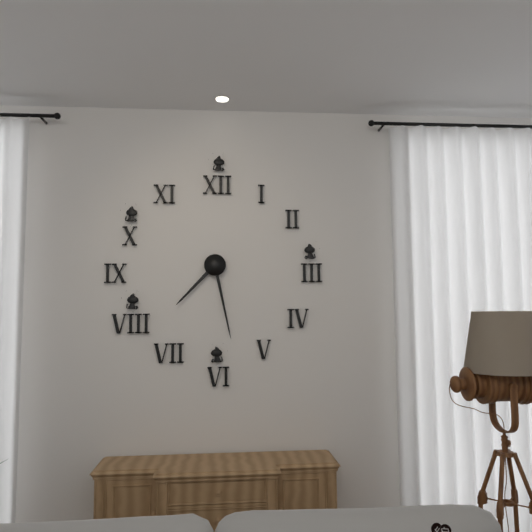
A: 7:28
